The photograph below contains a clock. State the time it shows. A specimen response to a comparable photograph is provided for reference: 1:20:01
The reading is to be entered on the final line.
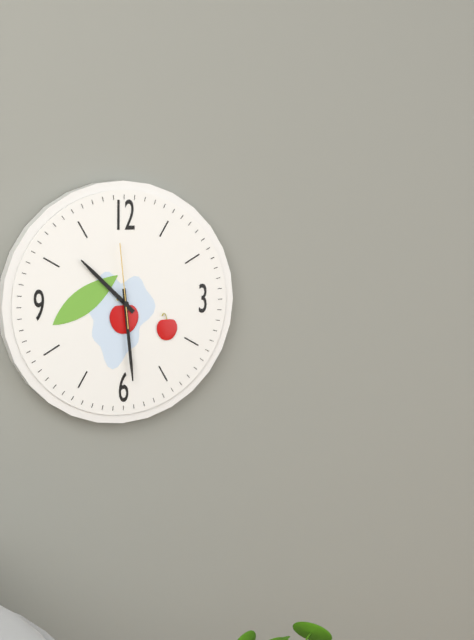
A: 10:29:59
